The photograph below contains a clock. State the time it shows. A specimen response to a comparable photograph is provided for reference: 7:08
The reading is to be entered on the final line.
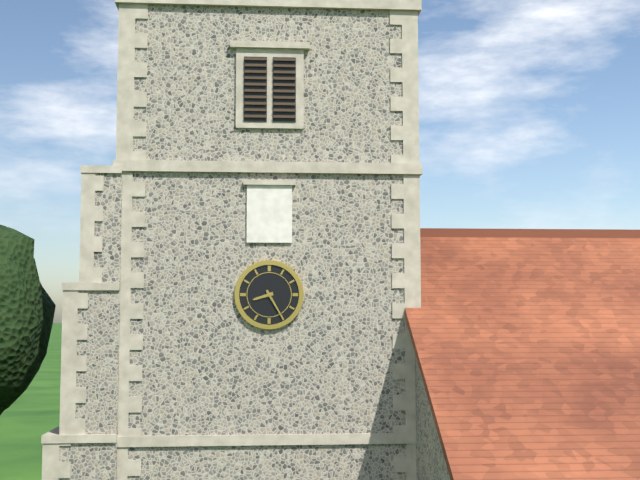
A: 8:25
